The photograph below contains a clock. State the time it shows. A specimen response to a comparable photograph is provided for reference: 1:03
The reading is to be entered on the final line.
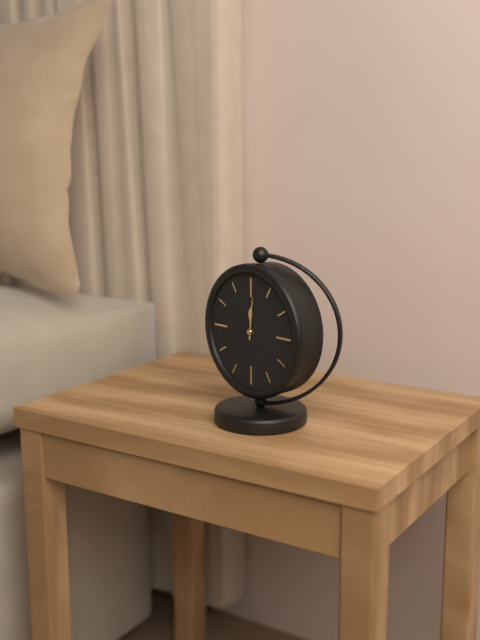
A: 12:01
